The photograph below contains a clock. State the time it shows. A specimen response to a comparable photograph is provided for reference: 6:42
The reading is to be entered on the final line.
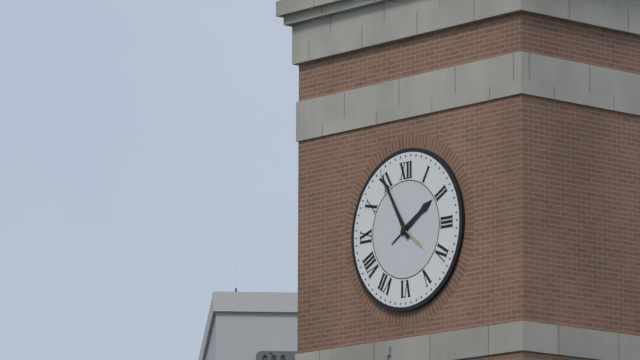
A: 1:55
